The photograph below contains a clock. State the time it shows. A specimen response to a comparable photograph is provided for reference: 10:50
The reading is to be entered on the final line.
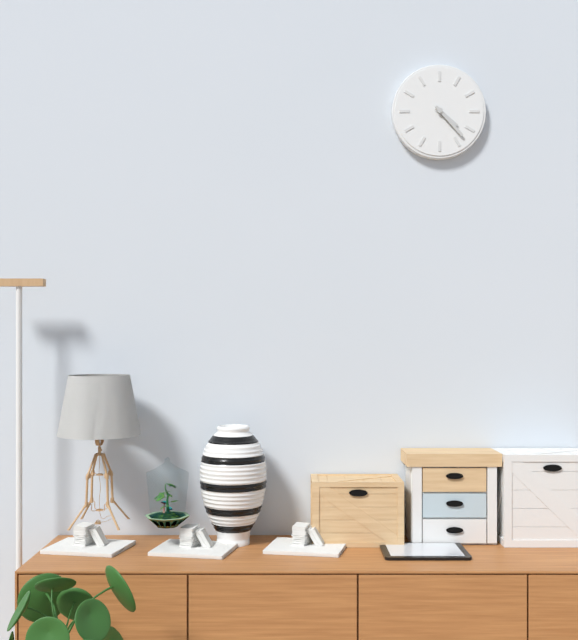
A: 4:23
